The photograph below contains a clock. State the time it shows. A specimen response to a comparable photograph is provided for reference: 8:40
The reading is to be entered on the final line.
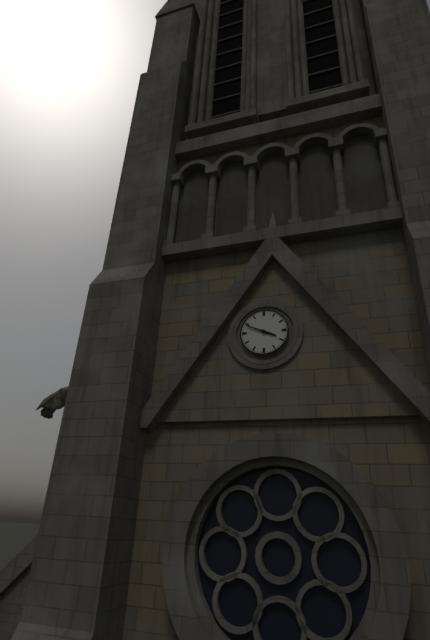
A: 3:49
